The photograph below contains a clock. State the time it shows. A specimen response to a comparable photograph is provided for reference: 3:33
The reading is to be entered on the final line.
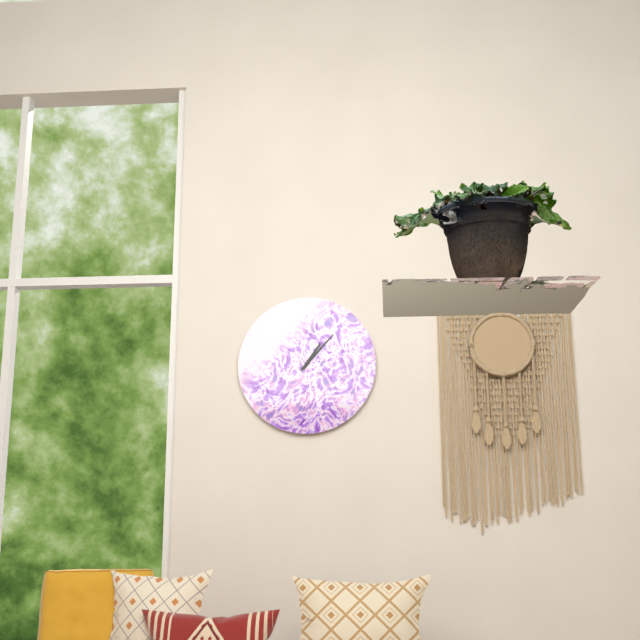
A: 1:07
